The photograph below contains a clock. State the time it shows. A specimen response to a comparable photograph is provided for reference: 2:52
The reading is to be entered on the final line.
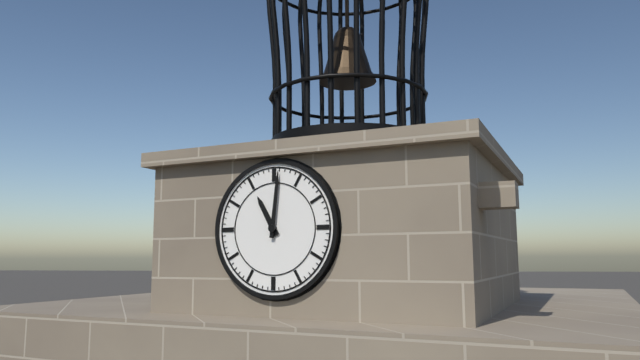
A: 11:01
